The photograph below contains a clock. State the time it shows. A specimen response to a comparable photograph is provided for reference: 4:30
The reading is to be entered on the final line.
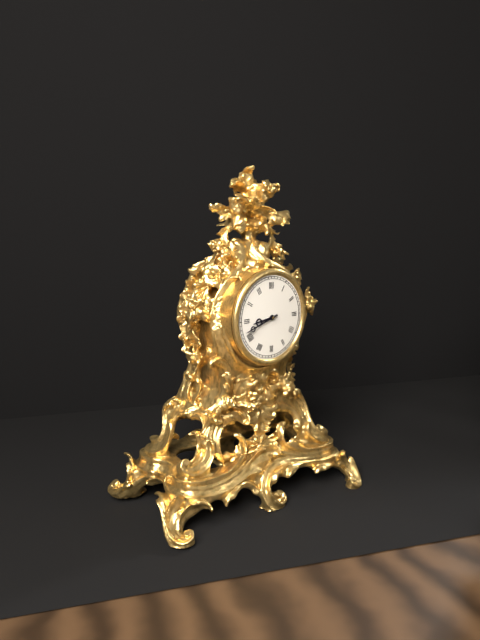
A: 8:42
